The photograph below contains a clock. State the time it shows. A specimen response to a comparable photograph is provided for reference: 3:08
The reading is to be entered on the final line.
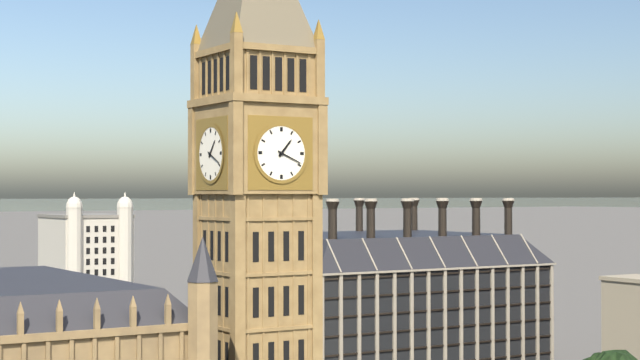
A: 1:19
